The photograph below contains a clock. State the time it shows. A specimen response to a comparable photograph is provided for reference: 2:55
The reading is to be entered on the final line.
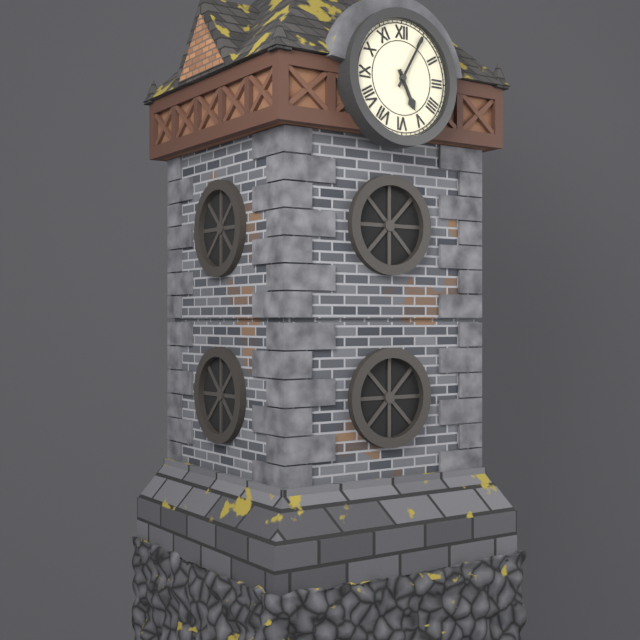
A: 5:05
